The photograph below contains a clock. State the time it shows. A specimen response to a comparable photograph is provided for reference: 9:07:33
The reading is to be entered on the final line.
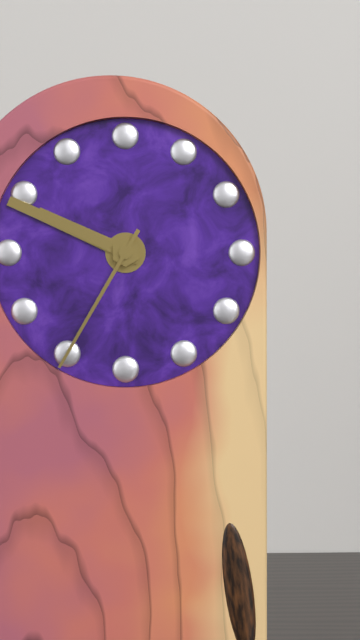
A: 9:49:35
